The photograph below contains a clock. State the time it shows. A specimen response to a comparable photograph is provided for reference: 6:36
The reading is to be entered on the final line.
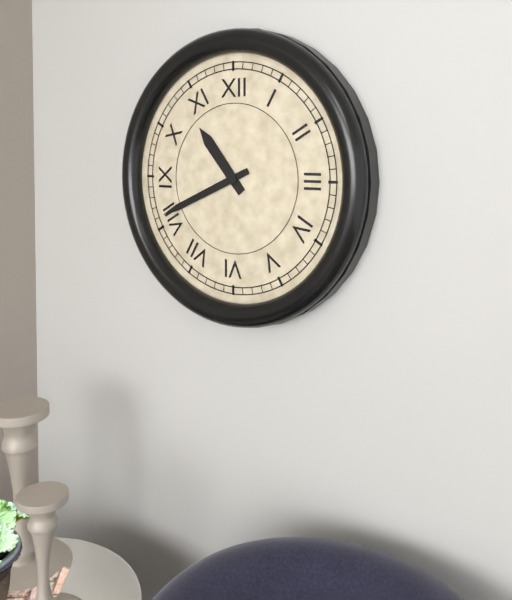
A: 10:41
